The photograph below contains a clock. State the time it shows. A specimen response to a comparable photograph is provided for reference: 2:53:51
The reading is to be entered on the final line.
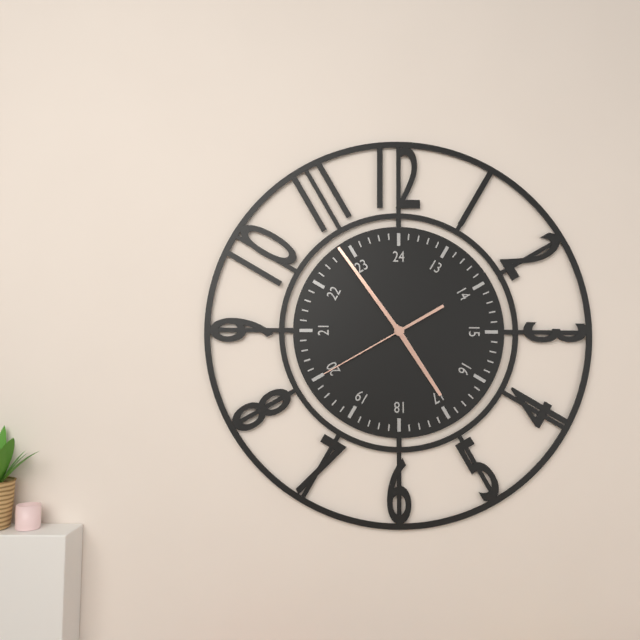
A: 4:54:40
